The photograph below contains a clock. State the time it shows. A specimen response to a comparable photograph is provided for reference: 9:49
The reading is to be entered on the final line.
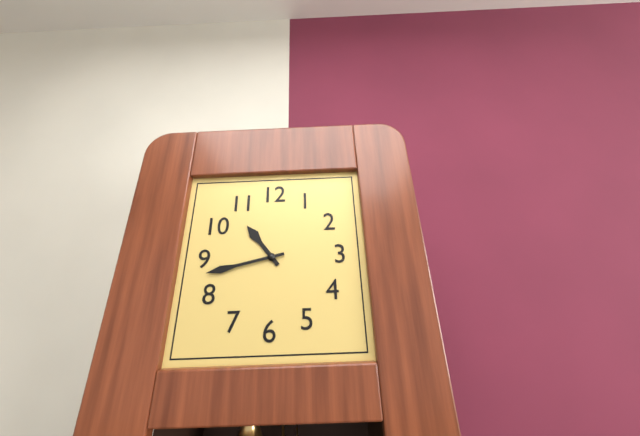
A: 10:43
